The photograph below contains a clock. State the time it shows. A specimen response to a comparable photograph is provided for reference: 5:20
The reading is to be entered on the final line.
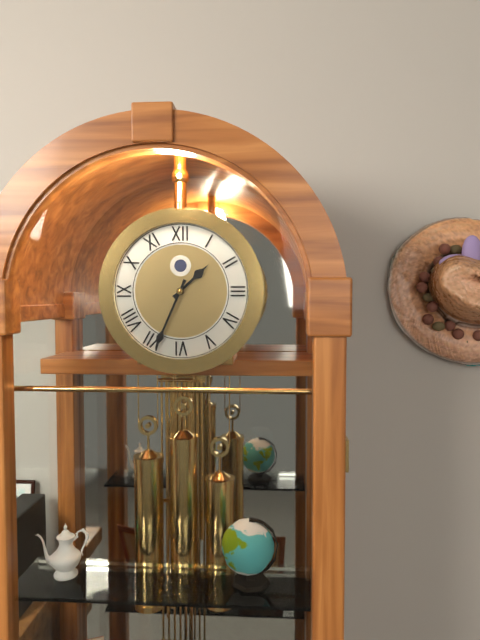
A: 1:34
